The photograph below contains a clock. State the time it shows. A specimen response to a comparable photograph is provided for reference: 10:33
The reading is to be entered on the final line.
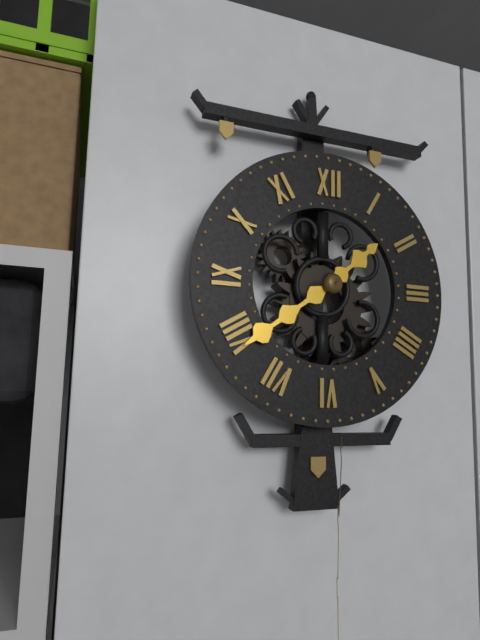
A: 1:39
